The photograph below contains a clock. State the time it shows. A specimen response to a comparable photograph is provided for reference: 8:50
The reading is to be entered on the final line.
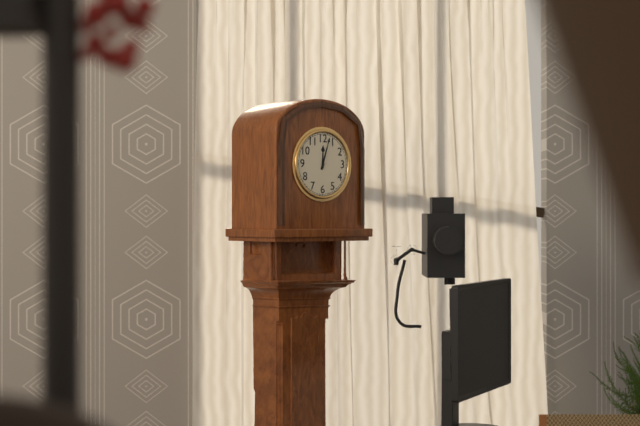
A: 12:03
